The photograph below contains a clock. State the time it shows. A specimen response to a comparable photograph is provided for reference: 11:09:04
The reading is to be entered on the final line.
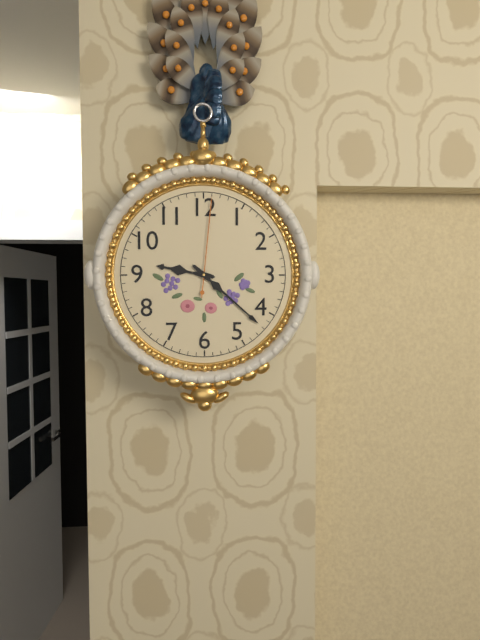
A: 9:22:01
